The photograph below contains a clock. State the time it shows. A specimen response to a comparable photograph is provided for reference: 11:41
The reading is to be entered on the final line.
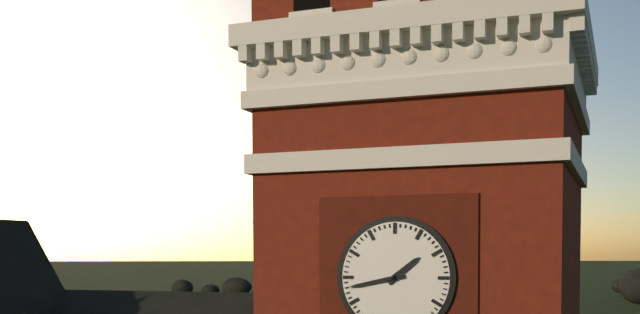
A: 1:43
